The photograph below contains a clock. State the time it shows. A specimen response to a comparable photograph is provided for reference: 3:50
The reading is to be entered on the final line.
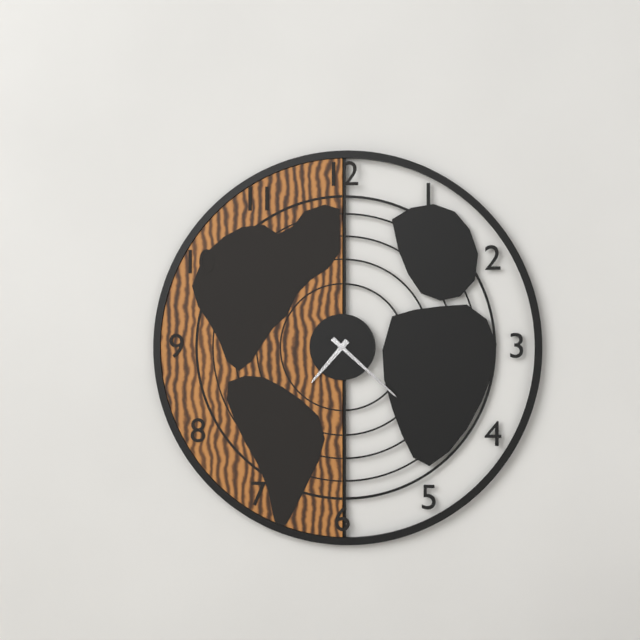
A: 7:22
